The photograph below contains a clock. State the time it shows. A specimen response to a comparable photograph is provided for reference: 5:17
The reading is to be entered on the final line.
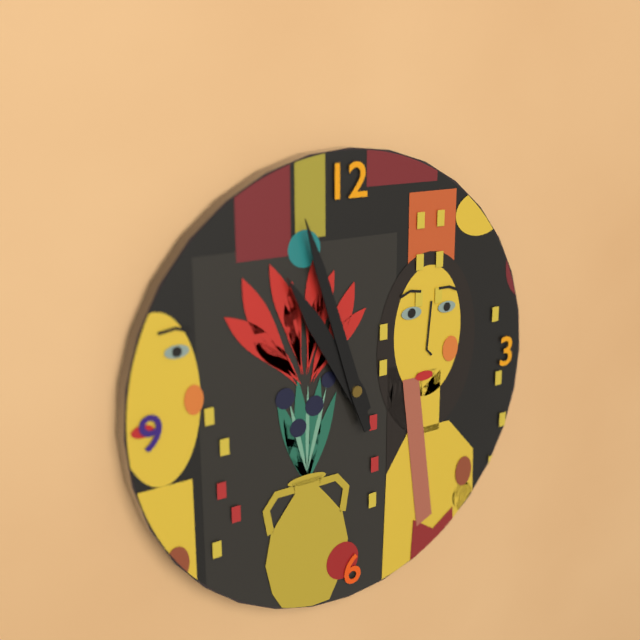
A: 10:57
